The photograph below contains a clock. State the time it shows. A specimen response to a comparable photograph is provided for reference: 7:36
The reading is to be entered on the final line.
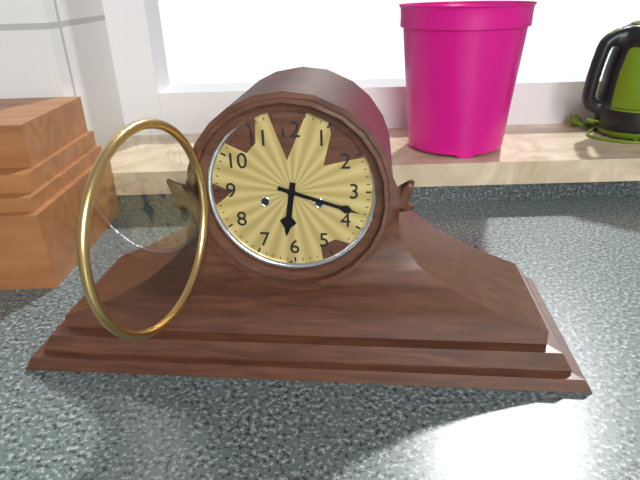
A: 6:18
